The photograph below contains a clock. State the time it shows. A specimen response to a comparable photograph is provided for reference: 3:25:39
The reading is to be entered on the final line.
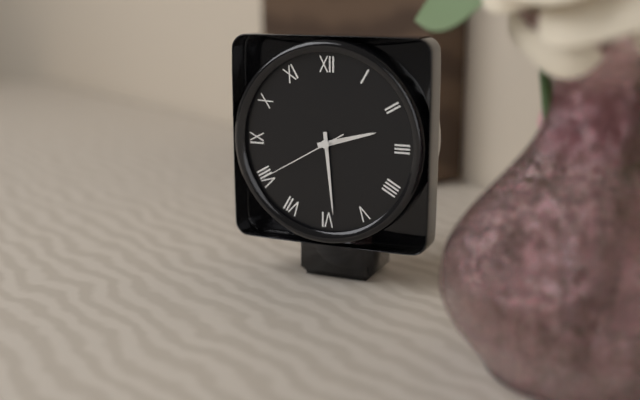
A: 2:29:40
